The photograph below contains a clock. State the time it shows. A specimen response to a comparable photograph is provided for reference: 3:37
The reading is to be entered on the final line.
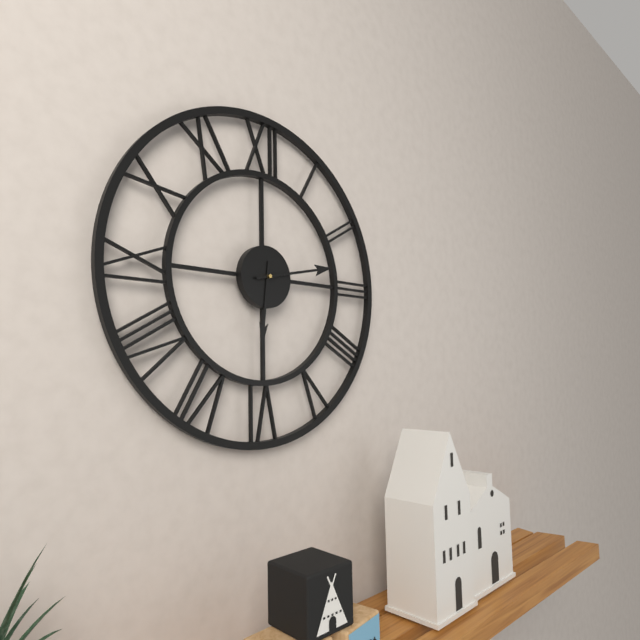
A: 6:13
